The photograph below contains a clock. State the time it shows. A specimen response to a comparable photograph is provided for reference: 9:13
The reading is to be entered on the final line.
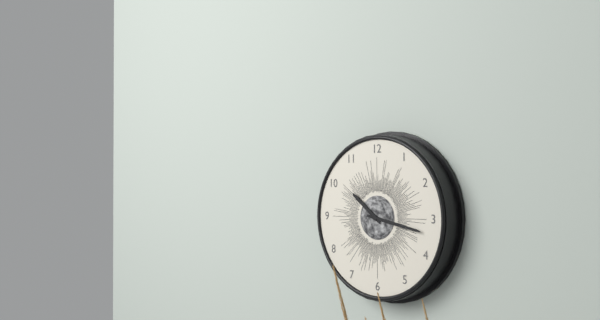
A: 10:17
